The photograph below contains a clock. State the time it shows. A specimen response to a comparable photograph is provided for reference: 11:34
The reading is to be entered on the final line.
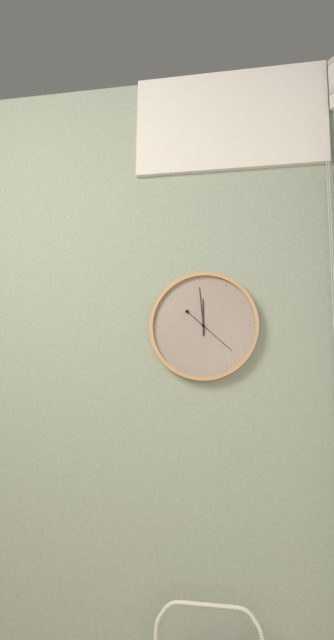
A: 11:59
